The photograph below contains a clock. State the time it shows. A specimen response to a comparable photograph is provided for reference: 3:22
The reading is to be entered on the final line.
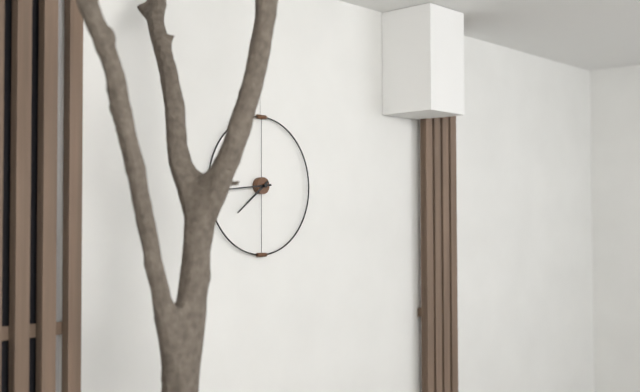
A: 7:44
